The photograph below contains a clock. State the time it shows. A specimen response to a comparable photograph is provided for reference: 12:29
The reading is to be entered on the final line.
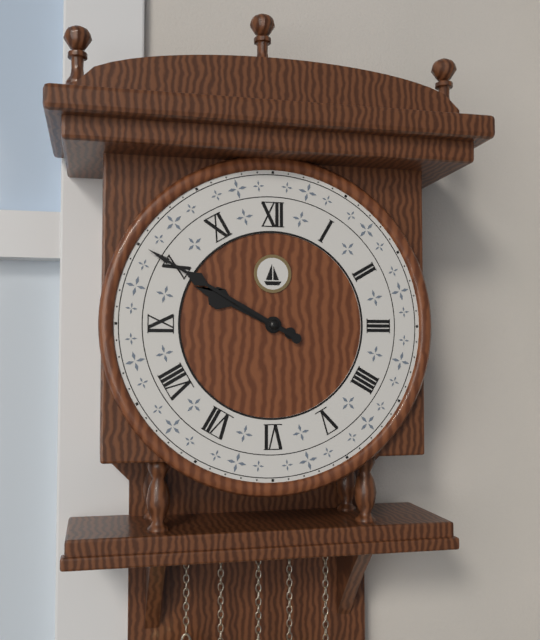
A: 9:50
